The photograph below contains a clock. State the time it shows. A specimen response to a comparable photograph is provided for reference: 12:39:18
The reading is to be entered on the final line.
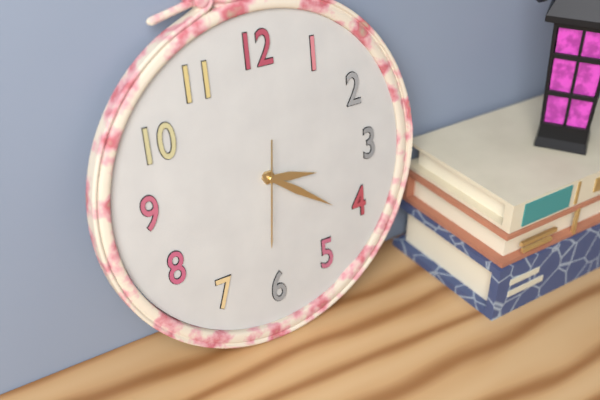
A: 3:21:31
